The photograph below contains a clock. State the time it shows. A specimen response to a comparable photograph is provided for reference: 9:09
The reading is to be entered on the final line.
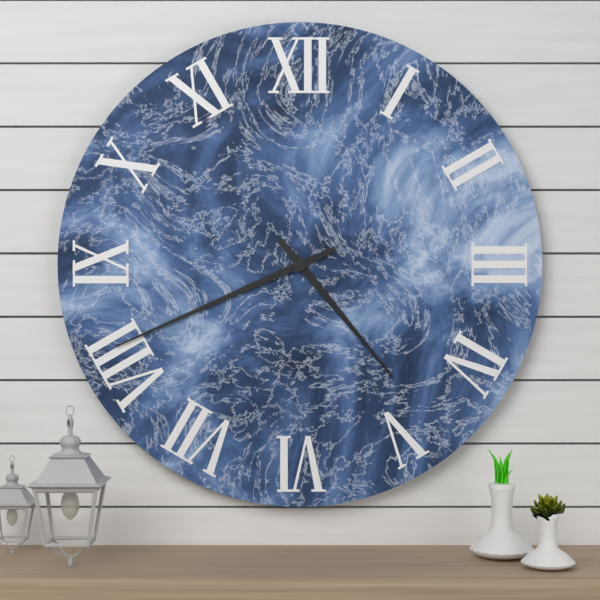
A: 4:41
